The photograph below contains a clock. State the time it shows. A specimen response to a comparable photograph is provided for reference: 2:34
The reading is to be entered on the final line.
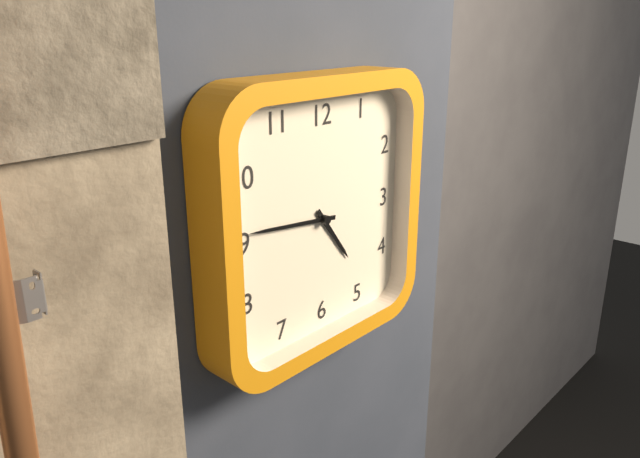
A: 4:46
